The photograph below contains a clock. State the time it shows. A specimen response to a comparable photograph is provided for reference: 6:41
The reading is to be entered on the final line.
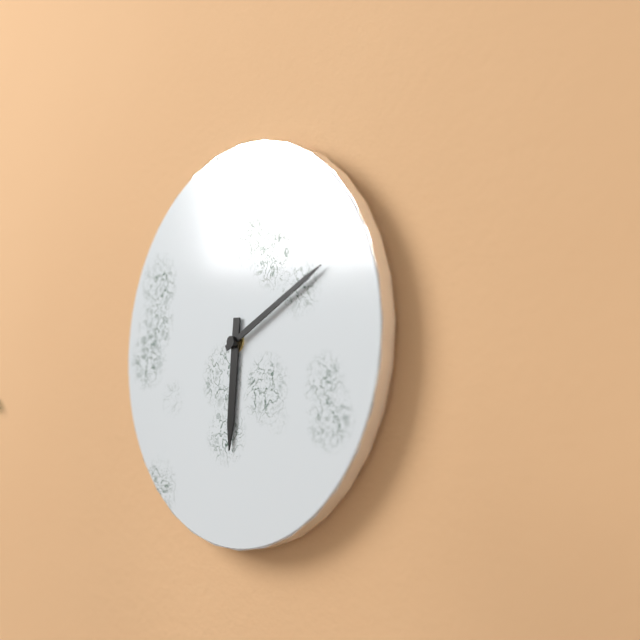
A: 6:11
